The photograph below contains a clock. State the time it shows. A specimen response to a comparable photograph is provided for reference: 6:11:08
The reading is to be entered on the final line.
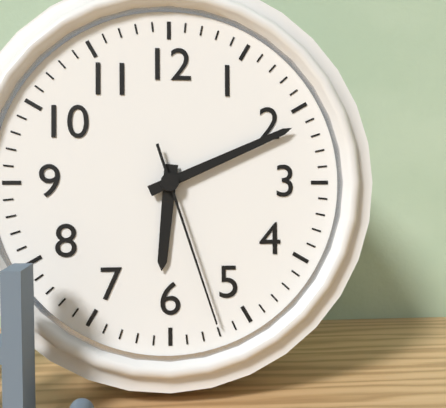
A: 6:11:27
